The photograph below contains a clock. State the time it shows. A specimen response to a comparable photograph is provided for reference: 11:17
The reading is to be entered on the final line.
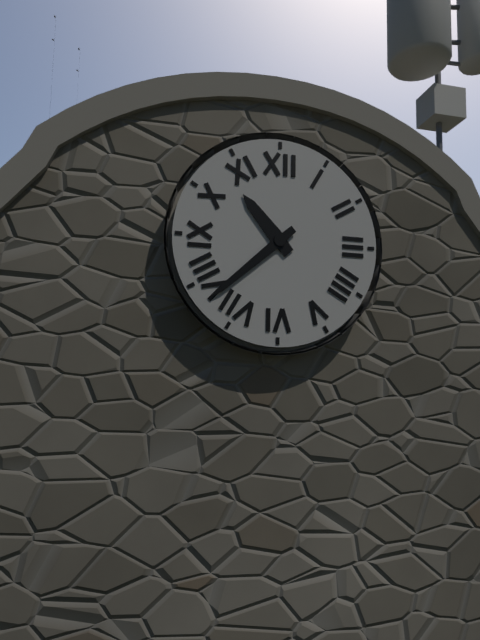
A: 10:38
